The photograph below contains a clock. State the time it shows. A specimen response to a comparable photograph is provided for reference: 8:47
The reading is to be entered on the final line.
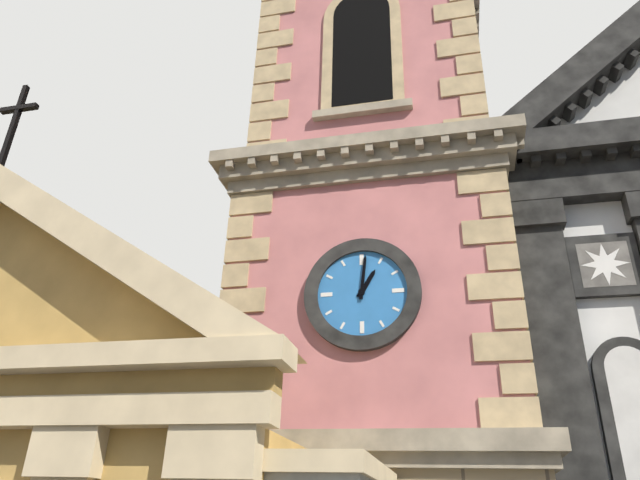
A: 1:01
